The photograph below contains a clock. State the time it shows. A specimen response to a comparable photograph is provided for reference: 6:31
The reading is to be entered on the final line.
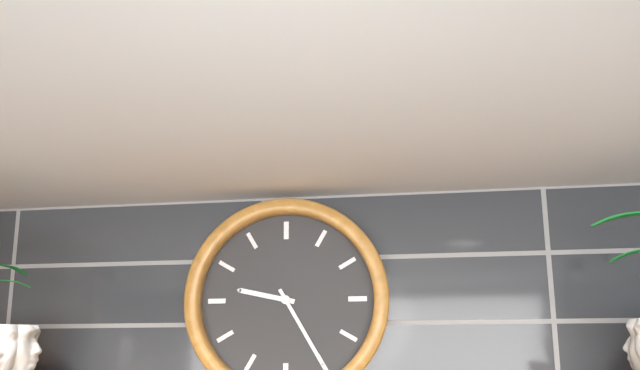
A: 9:25
